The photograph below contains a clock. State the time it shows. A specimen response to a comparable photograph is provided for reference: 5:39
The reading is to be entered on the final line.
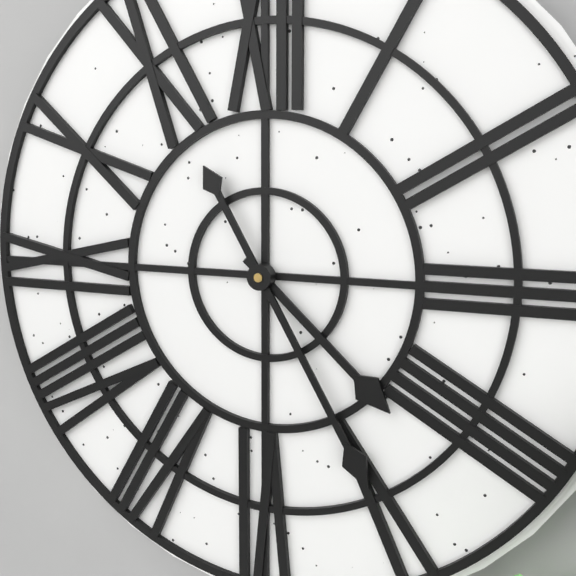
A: 4:25
